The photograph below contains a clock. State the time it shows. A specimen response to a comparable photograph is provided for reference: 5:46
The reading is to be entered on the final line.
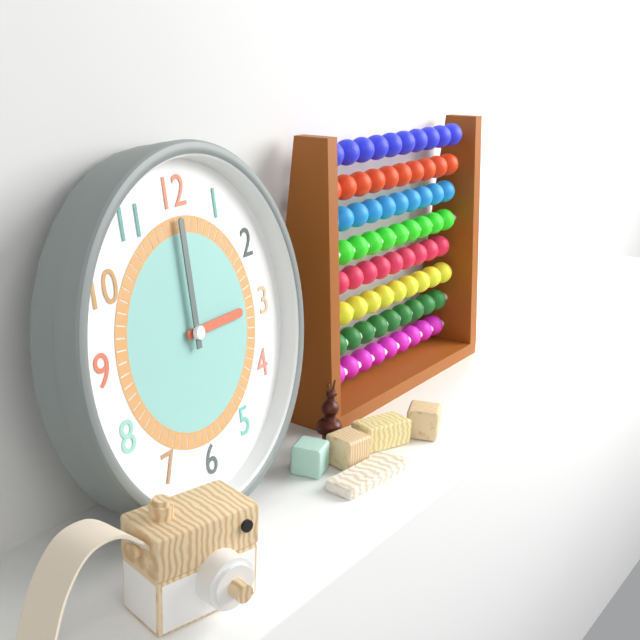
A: 3:00
